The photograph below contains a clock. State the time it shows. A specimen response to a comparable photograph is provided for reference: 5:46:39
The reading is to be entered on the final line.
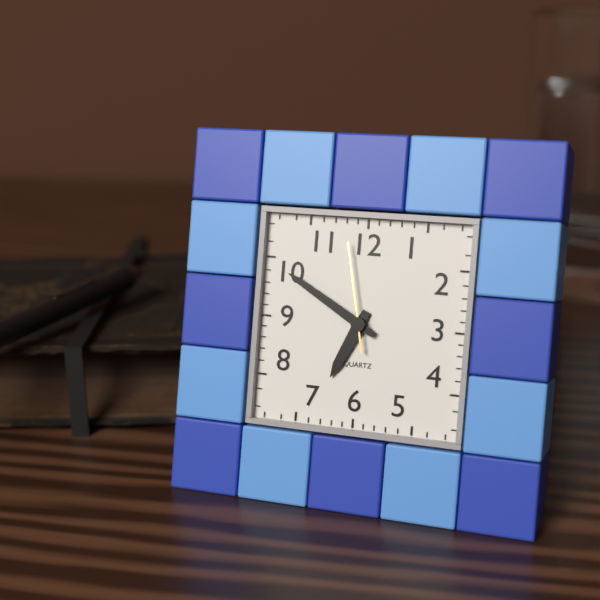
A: 6:50:58
